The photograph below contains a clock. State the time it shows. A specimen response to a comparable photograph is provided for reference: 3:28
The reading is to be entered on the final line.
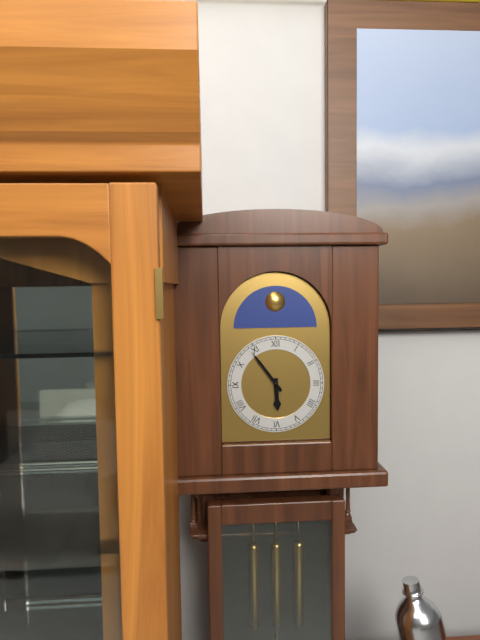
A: 5:54
